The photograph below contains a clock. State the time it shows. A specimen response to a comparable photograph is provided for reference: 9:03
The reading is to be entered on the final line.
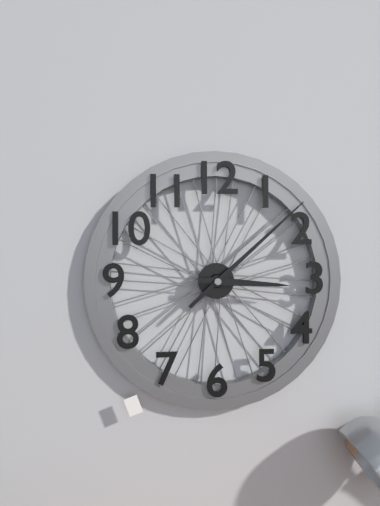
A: 3:08
